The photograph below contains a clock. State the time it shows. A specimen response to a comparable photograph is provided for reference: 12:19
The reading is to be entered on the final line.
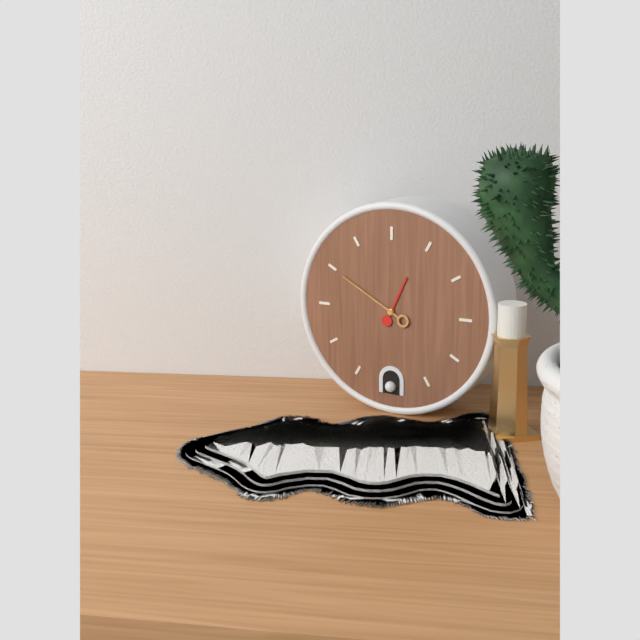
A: 12:50
